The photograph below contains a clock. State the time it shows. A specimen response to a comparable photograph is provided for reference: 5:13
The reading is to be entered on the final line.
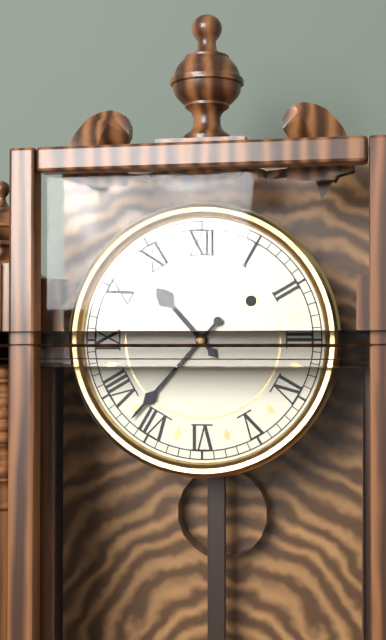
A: 10:37
